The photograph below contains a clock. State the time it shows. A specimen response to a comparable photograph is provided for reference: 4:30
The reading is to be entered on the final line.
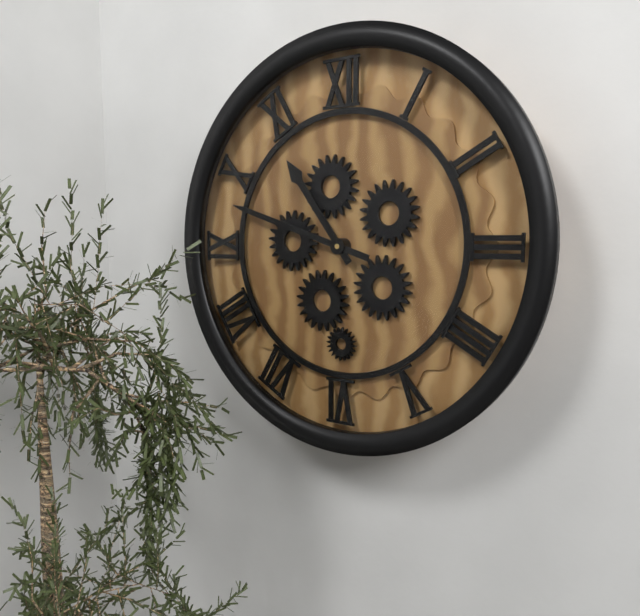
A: 10:48
